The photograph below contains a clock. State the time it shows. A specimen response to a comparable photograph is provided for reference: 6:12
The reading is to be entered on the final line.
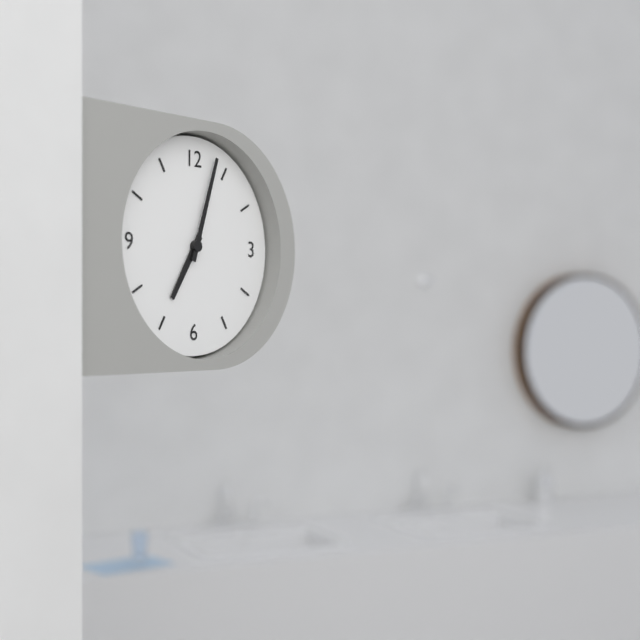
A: 7:03
